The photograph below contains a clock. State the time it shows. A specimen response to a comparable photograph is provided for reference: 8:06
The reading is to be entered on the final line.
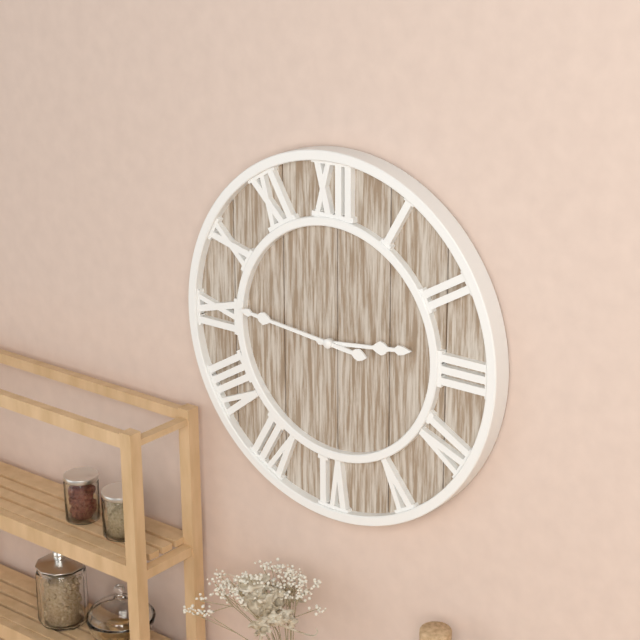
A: 2:46
